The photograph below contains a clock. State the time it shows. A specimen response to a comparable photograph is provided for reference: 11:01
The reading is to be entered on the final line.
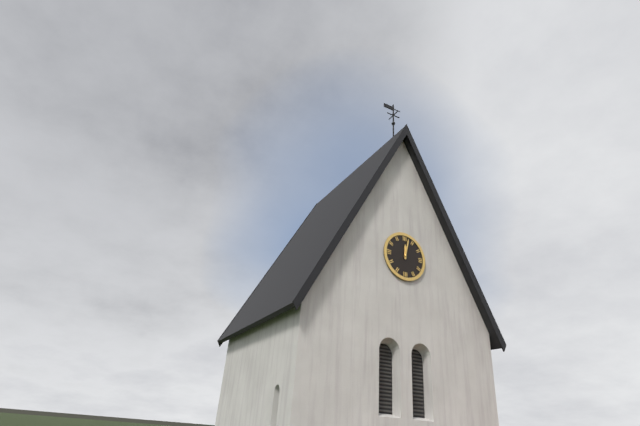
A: 12:02
